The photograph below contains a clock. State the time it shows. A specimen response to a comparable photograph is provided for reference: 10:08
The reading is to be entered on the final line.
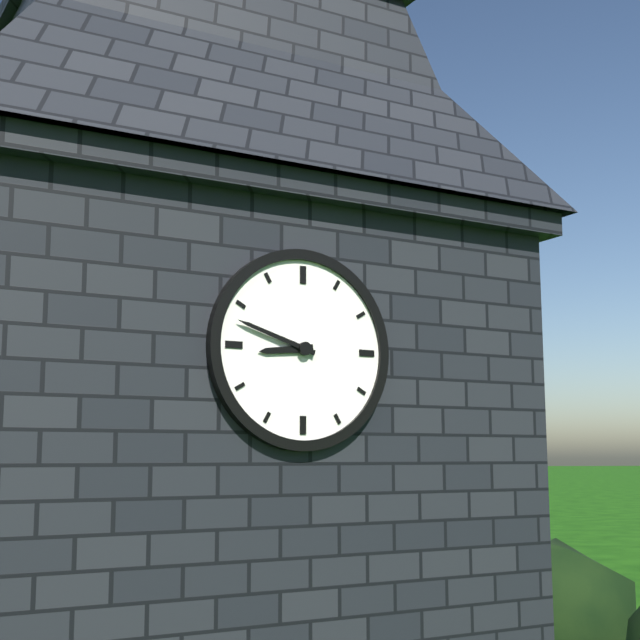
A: 8:48
